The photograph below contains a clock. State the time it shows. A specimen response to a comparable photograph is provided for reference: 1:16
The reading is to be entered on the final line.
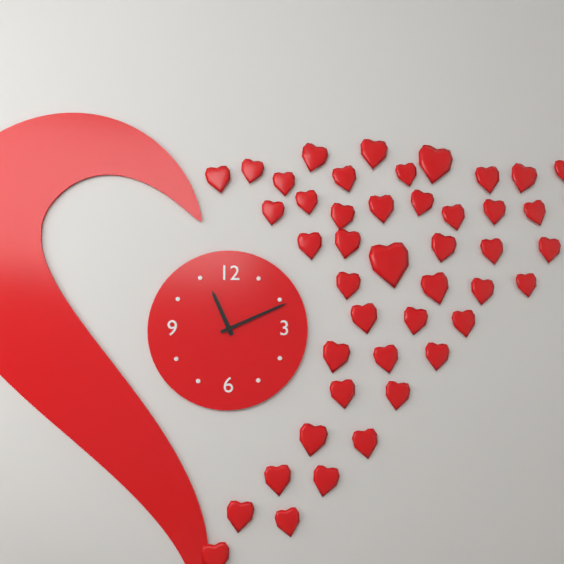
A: 11:11
